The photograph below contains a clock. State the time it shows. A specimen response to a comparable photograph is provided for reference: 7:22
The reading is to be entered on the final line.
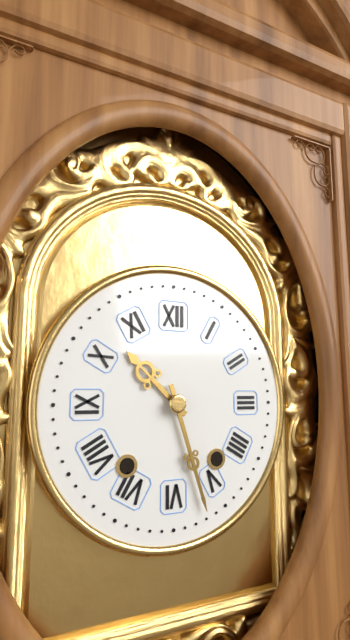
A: 10:27
